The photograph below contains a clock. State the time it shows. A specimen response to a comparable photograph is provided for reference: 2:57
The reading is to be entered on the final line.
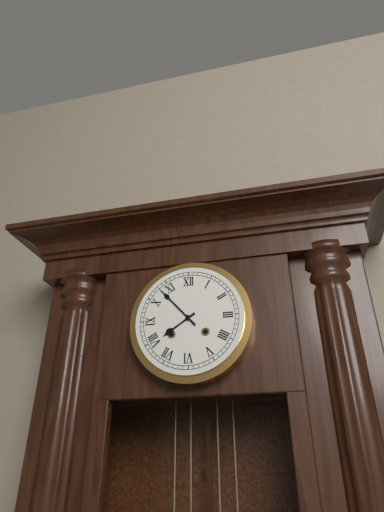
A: 7:53
